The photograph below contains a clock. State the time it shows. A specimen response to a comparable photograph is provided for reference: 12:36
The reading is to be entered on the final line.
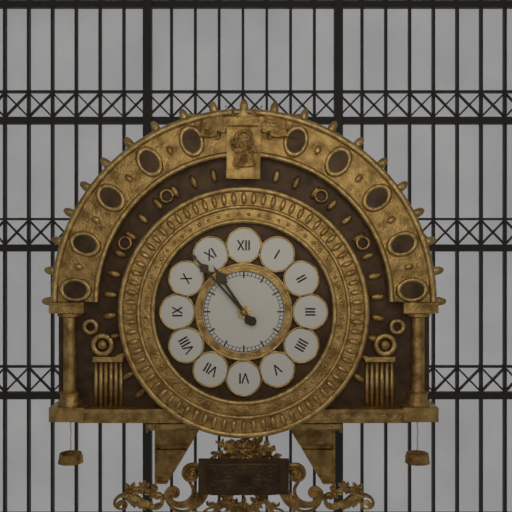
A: 10:53
